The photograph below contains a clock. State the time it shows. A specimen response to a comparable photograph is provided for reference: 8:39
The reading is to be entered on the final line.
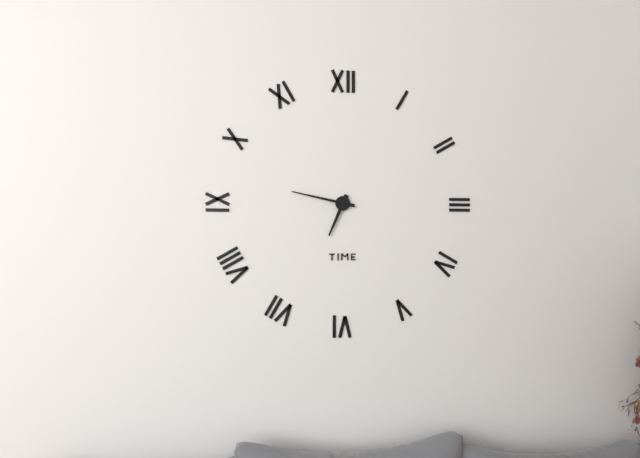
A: 6:47
